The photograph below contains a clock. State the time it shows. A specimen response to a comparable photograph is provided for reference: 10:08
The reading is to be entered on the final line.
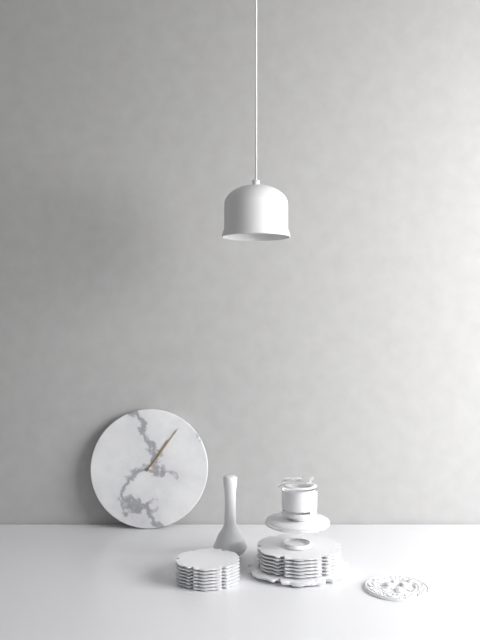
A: 1:06
